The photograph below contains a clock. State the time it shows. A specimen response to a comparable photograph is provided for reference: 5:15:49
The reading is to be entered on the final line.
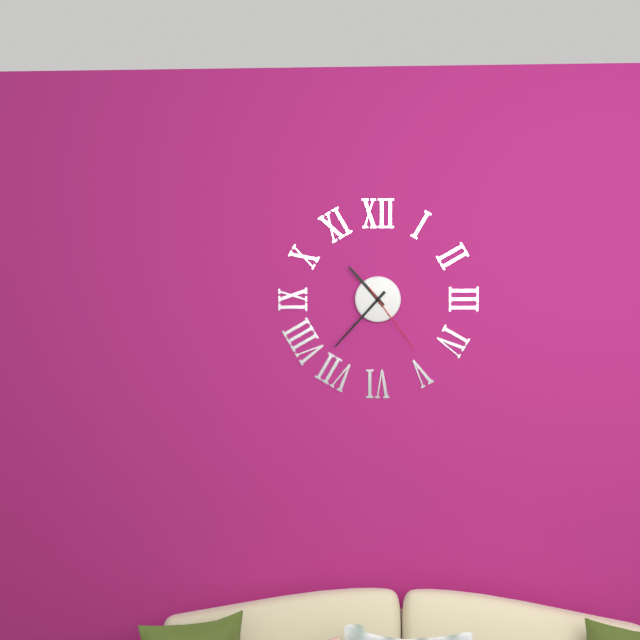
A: 10:37:24
